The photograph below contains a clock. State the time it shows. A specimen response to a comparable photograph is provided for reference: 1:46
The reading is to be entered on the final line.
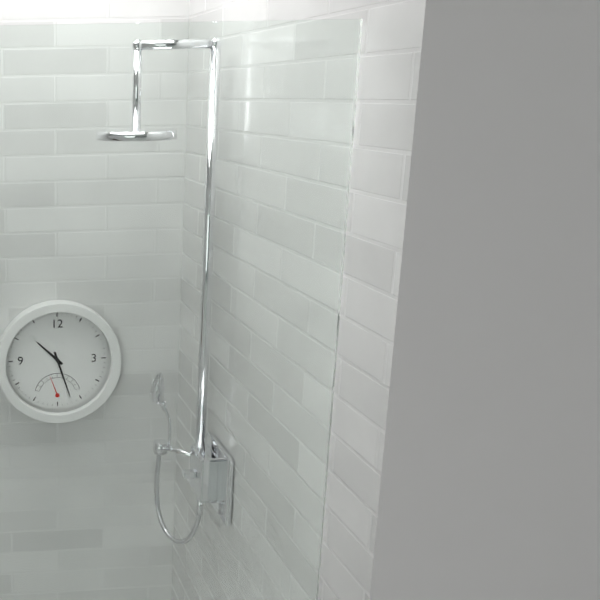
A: 10:27
